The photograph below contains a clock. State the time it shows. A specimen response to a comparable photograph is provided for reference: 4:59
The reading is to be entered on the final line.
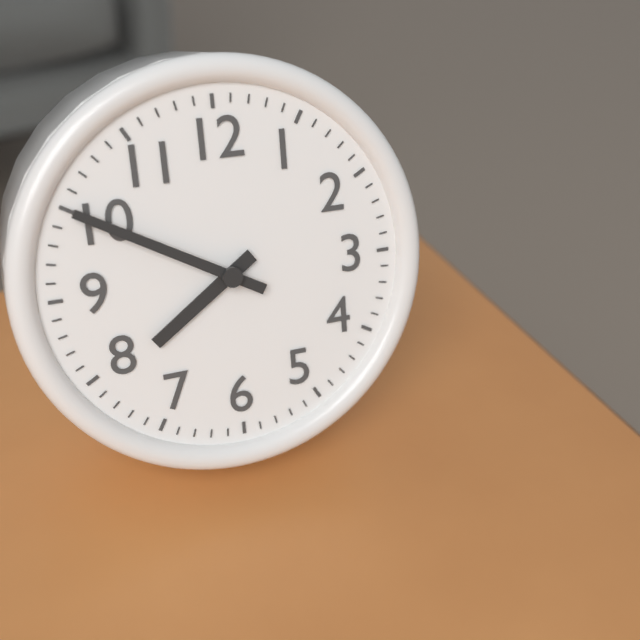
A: 7:50
